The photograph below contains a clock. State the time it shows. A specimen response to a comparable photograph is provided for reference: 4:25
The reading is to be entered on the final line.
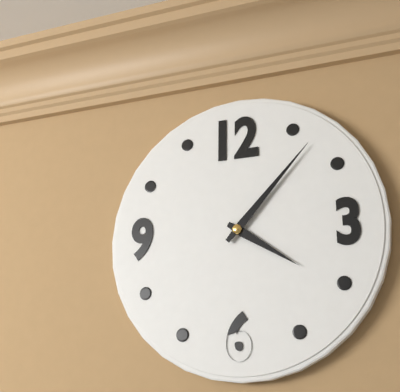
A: 4:07
